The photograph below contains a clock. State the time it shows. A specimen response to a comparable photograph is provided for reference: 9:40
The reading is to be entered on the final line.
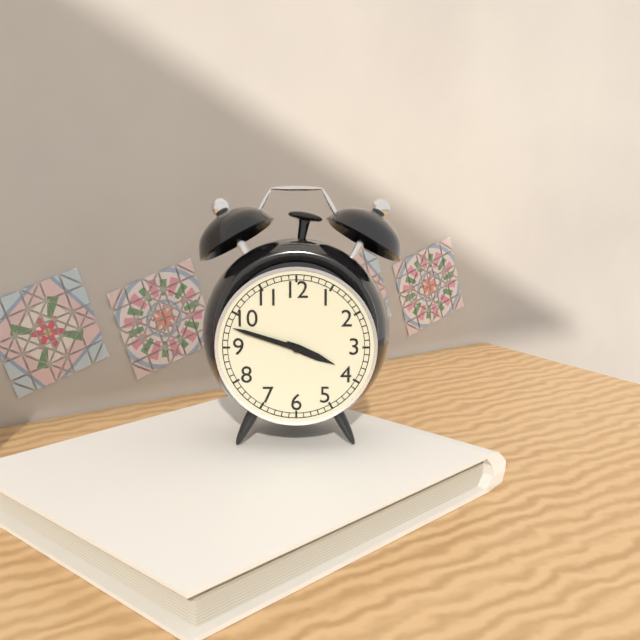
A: 3:48
